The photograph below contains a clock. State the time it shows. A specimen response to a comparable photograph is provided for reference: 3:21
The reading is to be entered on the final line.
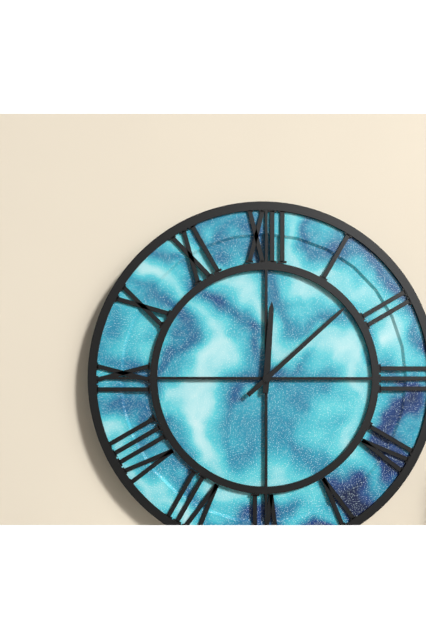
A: 12:08
